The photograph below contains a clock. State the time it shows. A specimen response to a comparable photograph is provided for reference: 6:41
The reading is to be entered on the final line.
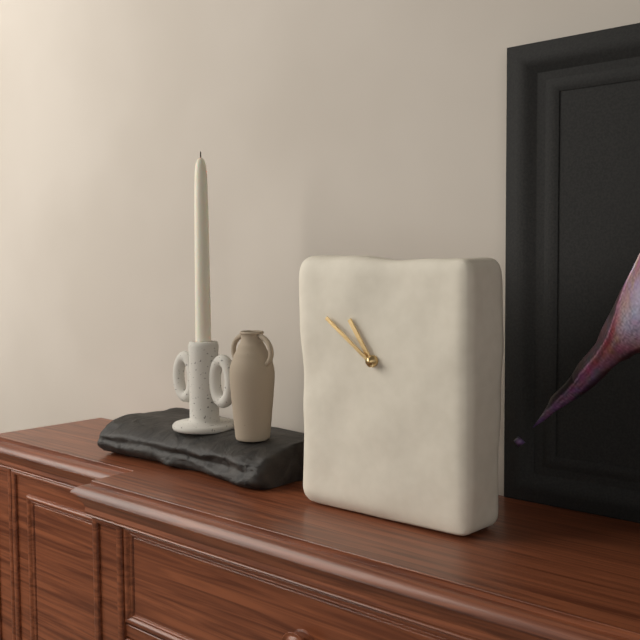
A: 10:51
